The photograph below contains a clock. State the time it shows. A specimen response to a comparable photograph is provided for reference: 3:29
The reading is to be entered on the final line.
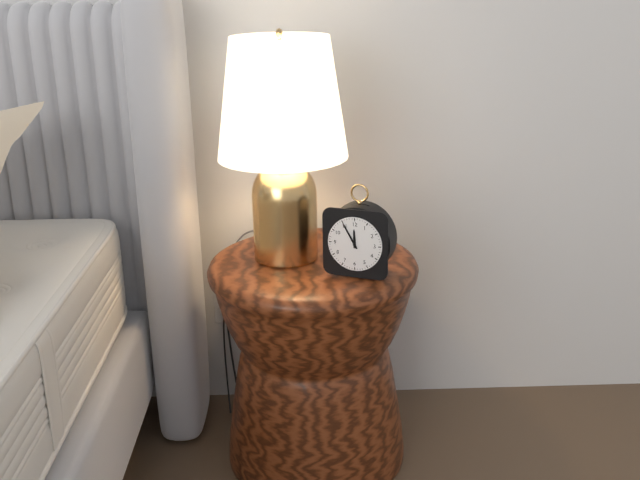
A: 11:55
